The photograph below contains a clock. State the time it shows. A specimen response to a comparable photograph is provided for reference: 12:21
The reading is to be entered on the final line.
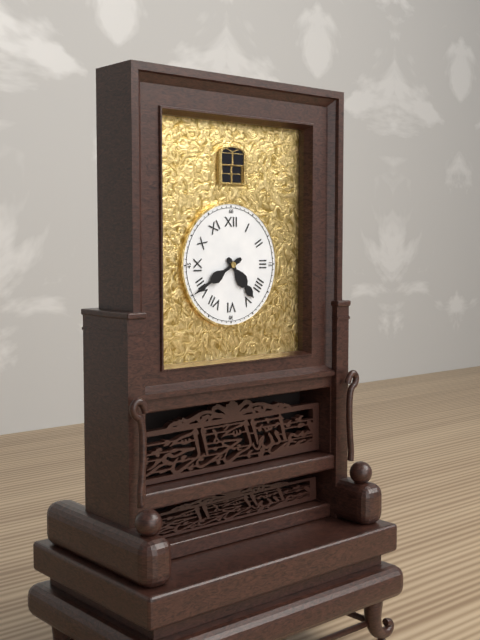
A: 4:40
